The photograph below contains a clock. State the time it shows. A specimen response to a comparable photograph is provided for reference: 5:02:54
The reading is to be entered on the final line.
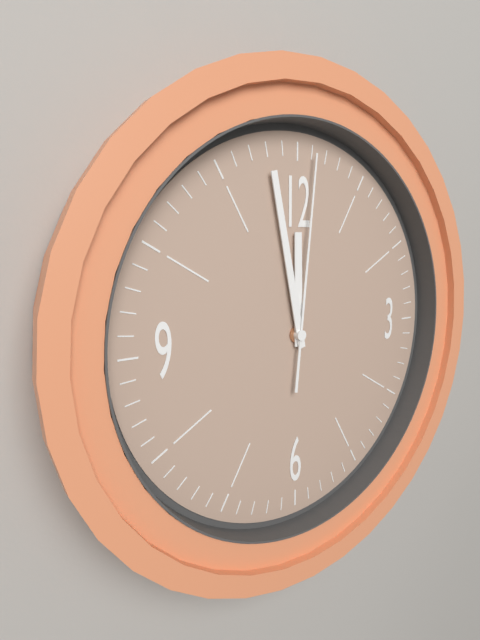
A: 11:58:01
